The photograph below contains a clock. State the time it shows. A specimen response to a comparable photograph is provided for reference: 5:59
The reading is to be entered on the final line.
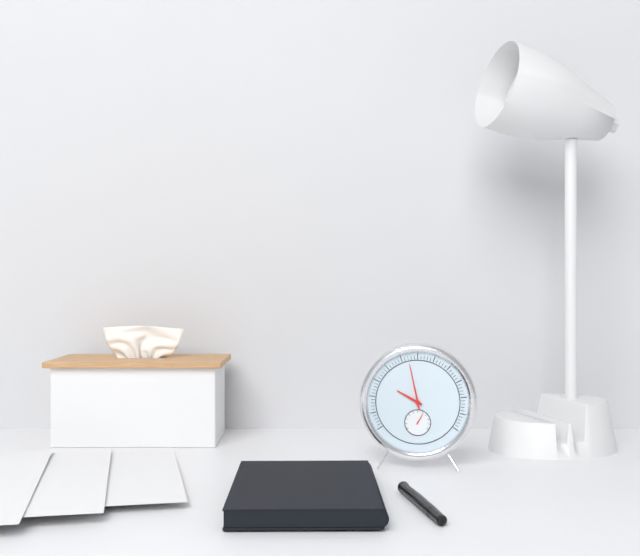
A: 9:58
